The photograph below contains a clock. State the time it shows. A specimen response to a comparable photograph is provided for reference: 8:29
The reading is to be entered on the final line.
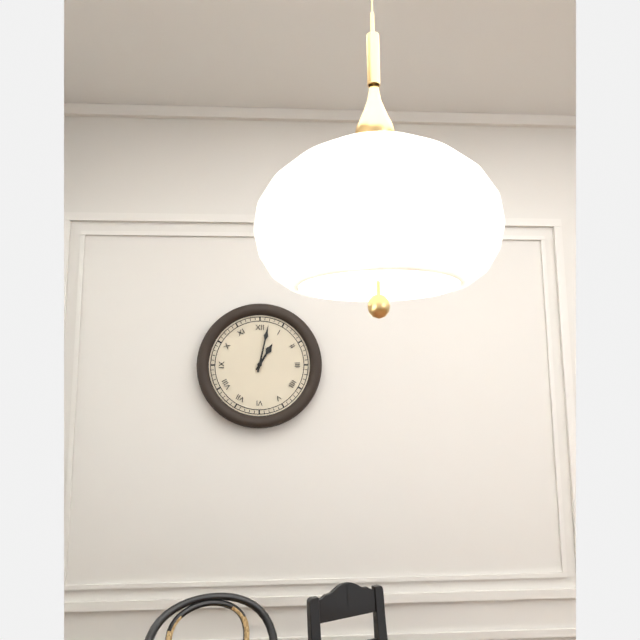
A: 1:02
